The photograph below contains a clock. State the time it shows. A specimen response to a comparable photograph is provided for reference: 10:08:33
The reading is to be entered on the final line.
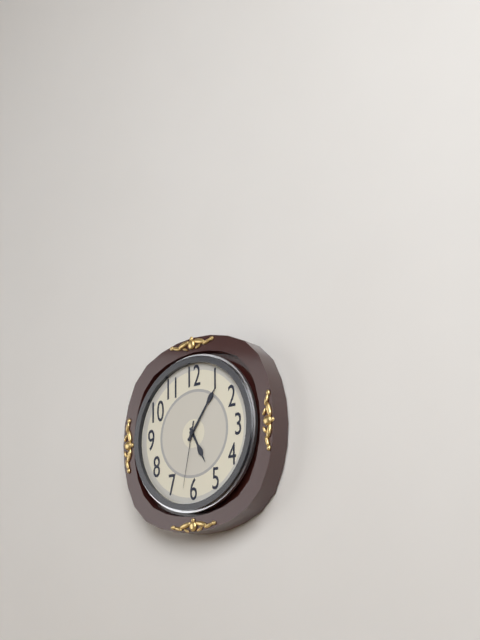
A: 5:06:32
